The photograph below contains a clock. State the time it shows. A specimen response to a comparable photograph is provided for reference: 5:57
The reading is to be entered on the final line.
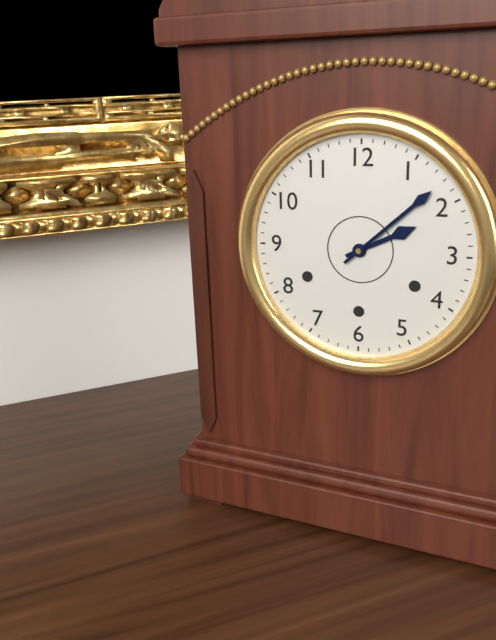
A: 2:08
